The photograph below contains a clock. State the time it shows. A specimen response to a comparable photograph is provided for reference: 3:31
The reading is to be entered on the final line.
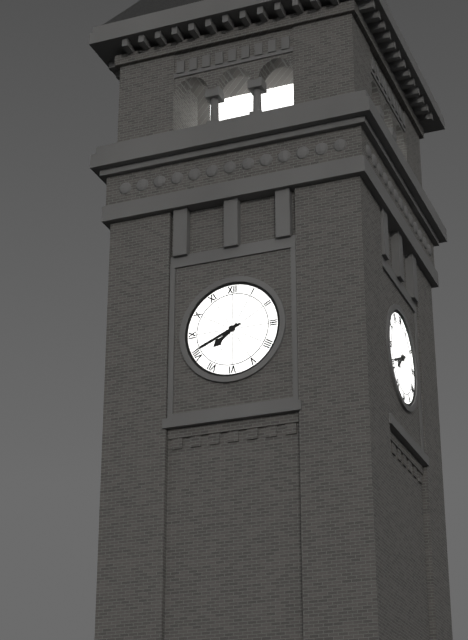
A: 7:41
